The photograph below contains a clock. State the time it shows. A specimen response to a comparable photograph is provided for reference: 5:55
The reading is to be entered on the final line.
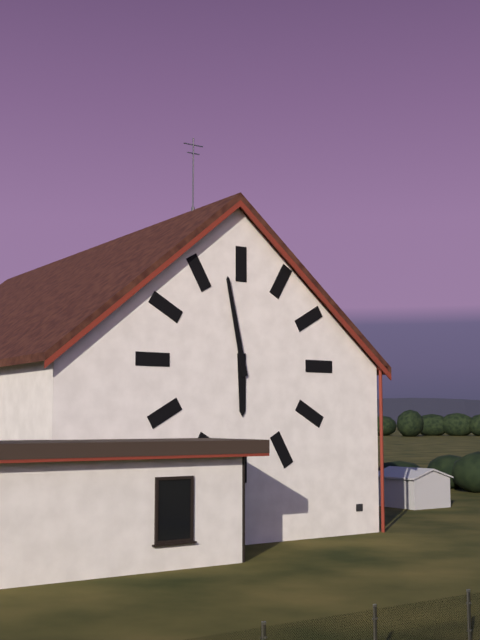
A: 5:58
